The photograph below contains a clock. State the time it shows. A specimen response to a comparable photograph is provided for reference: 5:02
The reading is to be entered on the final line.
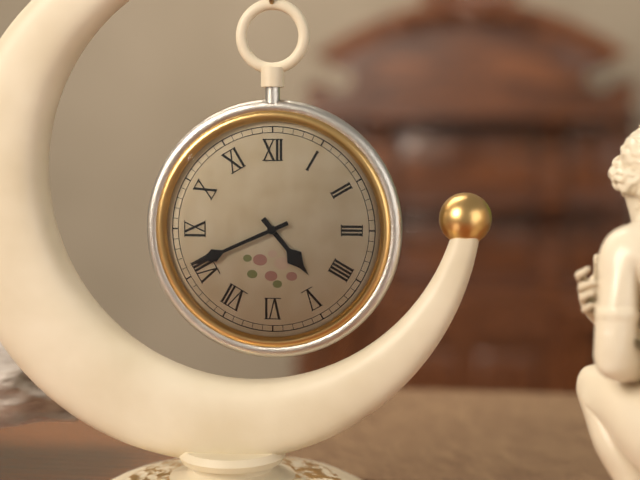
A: 4:41
